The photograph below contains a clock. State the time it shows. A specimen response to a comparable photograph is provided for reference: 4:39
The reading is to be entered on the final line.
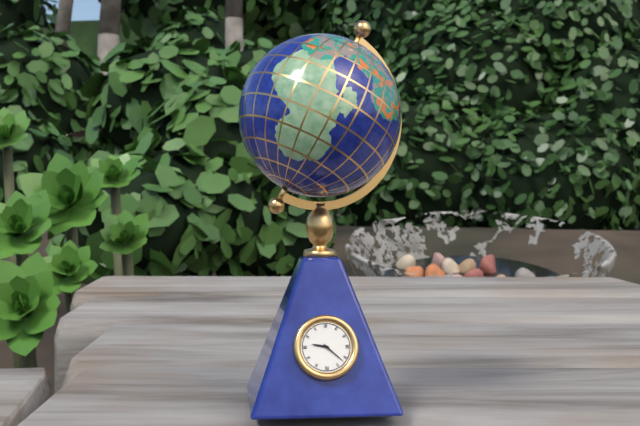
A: 9:22
